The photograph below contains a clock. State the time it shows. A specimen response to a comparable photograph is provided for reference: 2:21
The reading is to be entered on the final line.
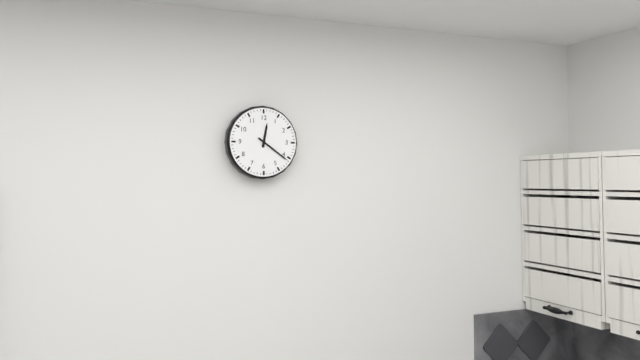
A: 12:21
